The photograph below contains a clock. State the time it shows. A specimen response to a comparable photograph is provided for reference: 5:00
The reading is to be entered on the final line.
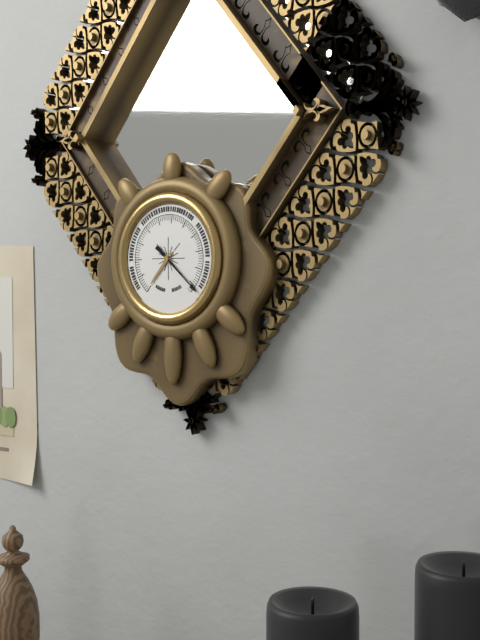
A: 7:22
